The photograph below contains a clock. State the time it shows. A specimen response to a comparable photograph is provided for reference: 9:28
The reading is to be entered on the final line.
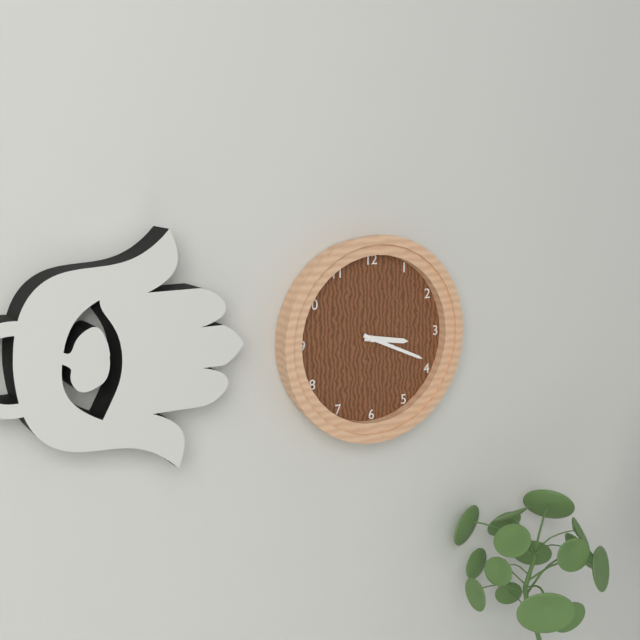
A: 3:19
